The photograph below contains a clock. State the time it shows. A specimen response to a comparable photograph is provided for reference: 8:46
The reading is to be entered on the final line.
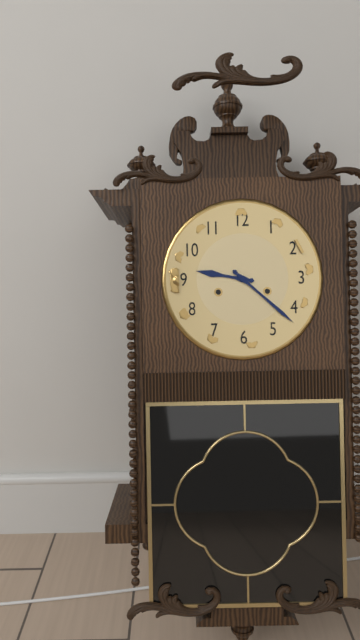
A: 9:22
